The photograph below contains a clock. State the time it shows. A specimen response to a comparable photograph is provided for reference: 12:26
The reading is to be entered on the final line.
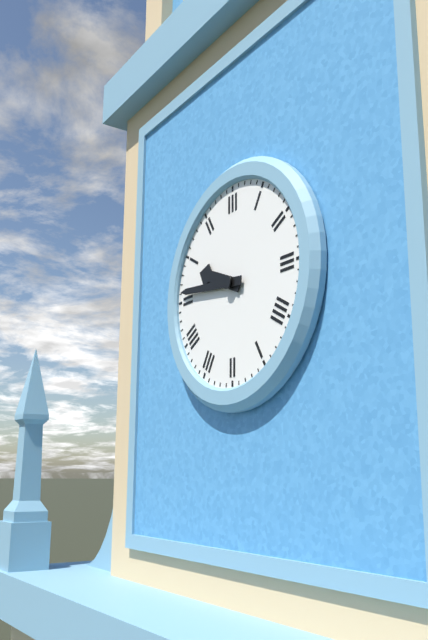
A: 9:46
